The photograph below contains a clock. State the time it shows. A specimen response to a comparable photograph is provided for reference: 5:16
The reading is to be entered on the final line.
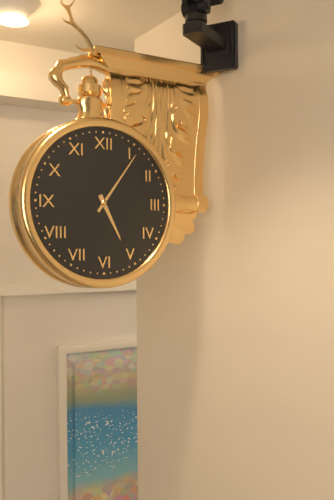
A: 5:06
